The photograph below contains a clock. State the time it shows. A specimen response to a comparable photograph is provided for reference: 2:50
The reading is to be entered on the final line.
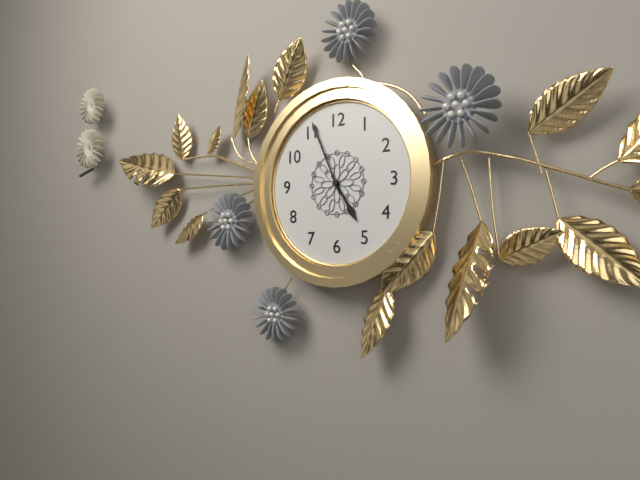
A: 4:56
